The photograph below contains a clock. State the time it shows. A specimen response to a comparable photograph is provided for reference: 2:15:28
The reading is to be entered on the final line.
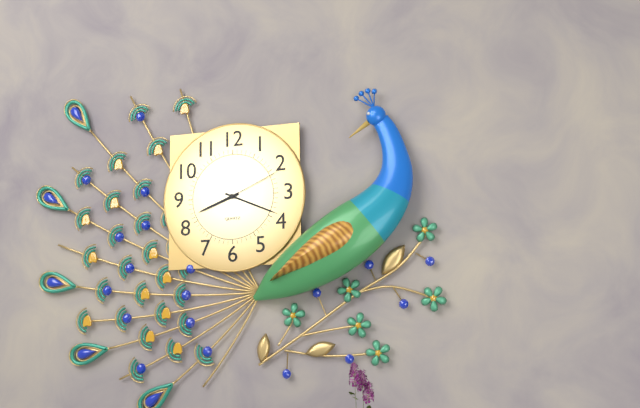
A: 8:19:11
